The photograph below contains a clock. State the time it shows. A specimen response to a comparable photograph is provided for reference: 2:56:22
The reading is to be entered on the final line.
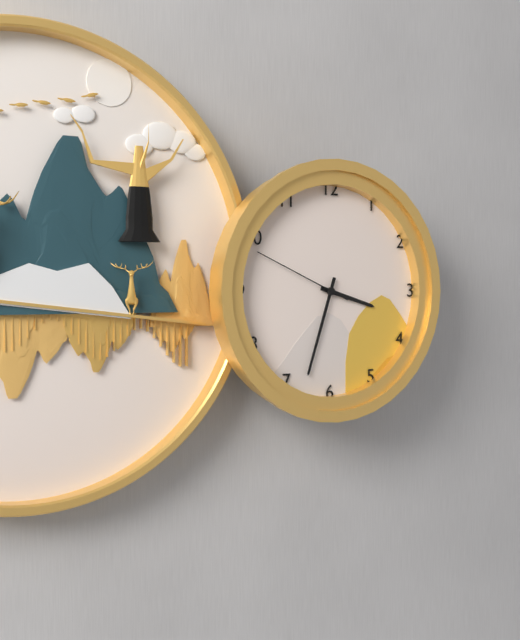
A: 3:33:49
